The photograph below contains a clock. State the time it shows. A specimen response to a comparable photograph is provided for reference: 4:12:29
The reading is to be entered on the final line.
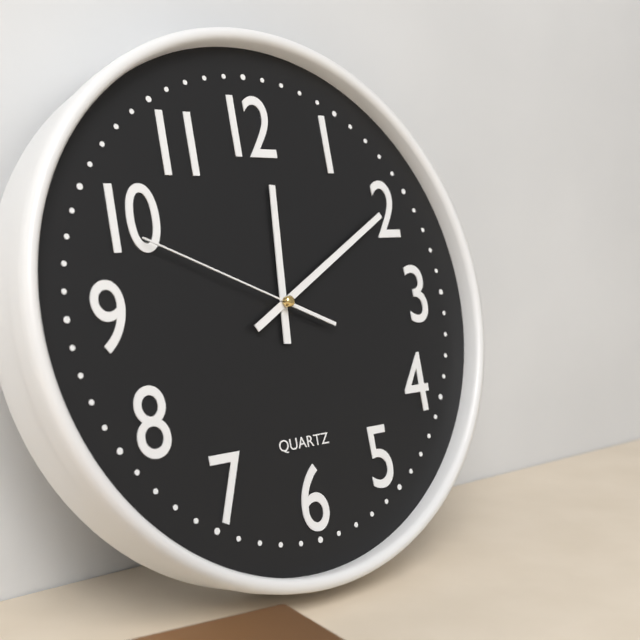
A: 12:10:49
